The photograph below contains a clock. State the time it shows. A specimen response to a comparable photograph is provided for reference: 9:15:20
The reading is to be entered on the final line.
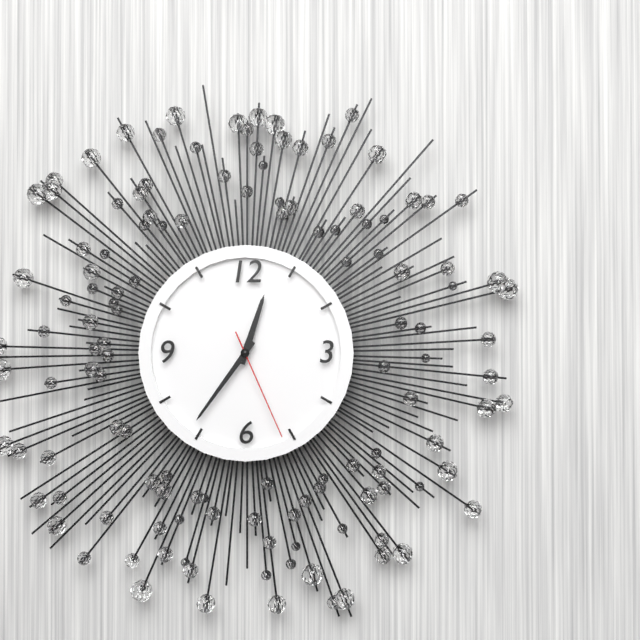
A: 12:36:26
